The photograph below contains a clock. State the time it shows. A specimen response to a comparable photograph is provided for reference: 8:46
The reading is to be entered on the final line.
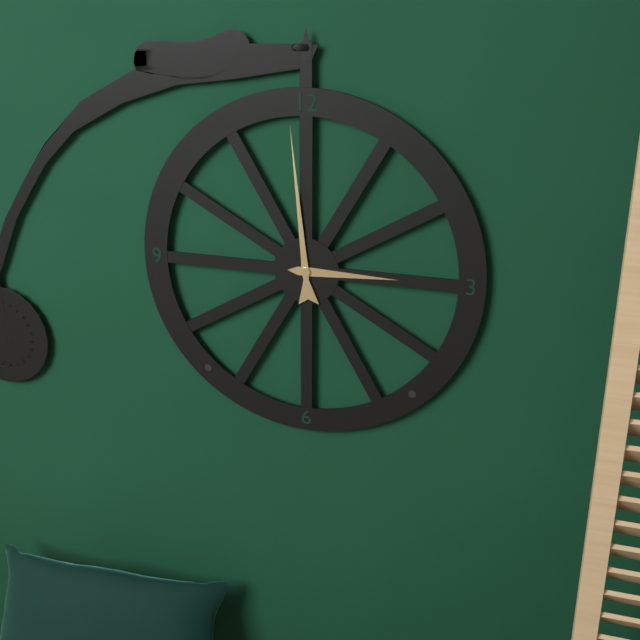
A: 2:59
